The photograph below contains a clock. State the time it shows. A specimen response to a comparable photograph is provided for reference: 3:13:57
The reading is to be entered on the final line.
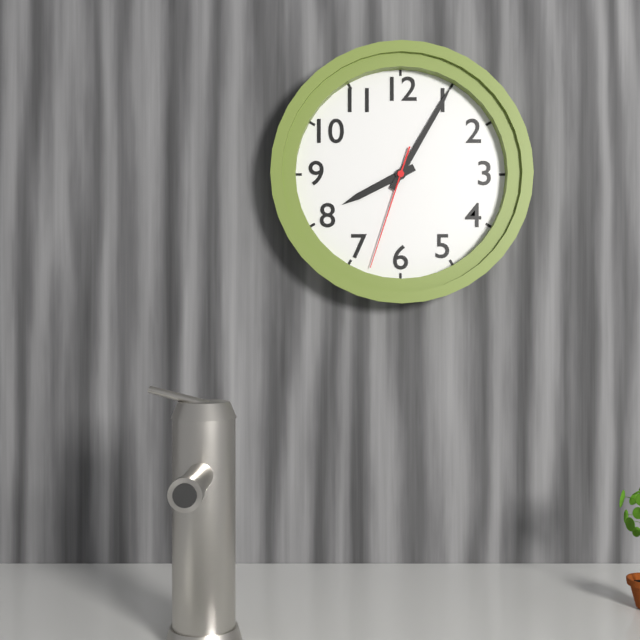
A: 8:05:33
